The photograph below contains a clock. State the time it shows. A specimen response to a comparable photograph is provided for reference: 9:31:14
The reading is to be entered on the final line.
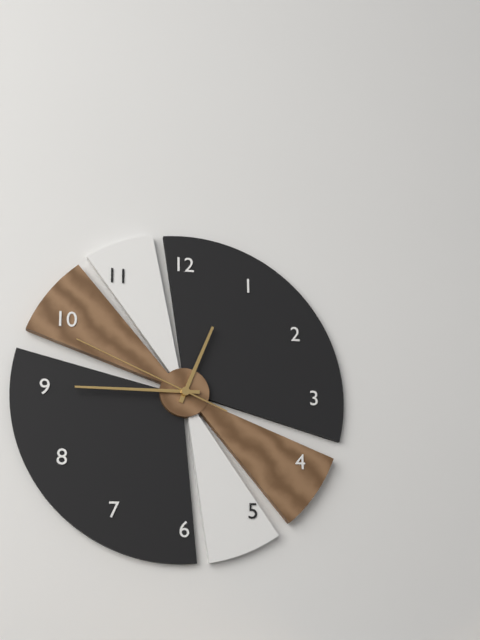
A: 12:45:49
